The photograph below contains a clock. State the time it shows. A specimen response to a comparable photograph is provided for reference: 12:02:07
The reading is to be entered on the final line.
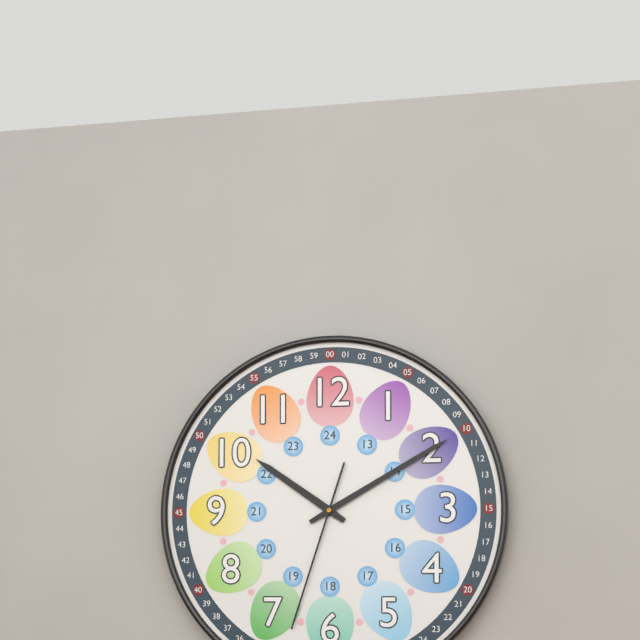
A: 10:10:33
